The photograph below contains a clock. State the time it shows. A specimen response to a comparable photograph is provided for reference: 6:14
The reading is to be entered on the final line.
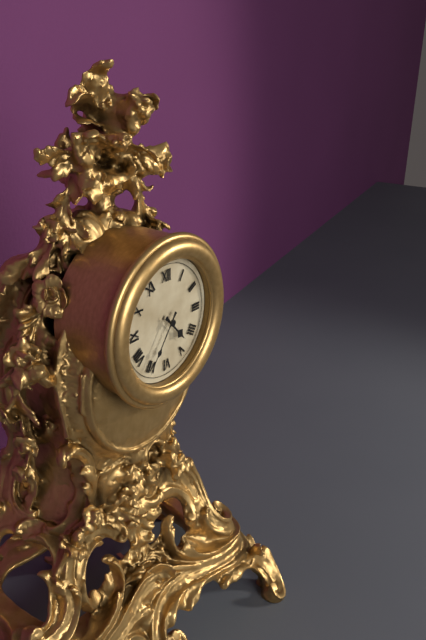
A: 4:36
